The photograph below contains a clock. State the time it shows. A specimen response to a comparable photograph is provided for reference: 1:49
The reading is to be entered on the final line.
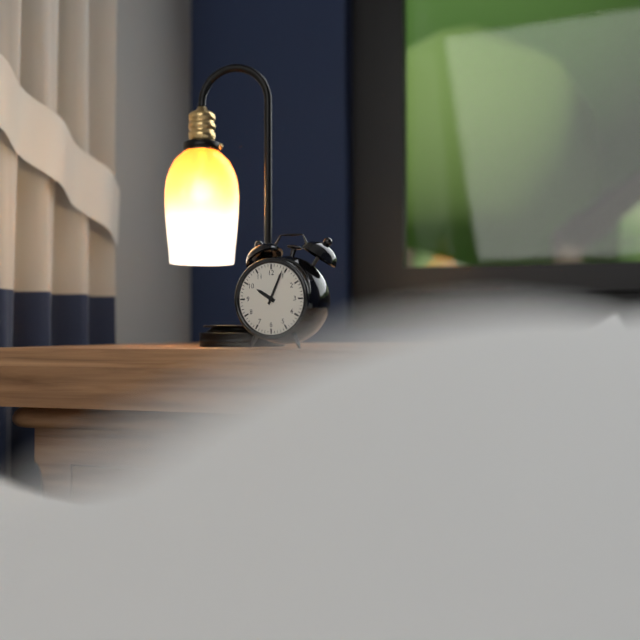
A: 10:04
